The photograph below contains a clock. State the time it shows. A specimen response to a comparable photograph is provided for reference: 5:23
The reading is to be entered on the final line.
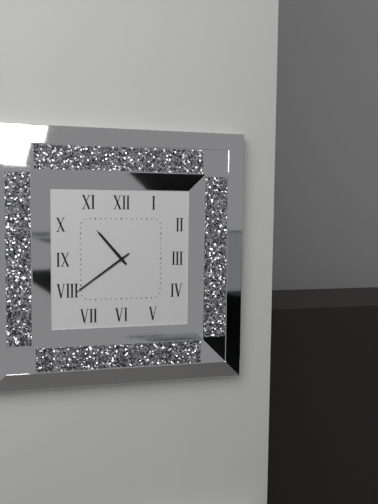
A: 10:39
